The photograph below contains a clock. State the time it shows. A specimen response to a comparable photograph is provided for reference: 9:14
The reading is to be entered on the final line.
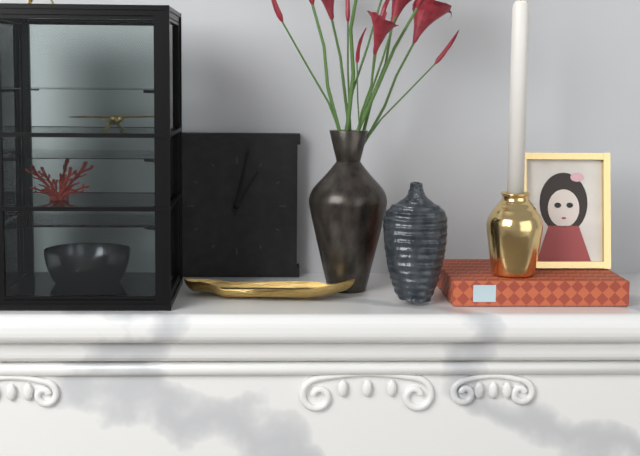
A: 1:02
